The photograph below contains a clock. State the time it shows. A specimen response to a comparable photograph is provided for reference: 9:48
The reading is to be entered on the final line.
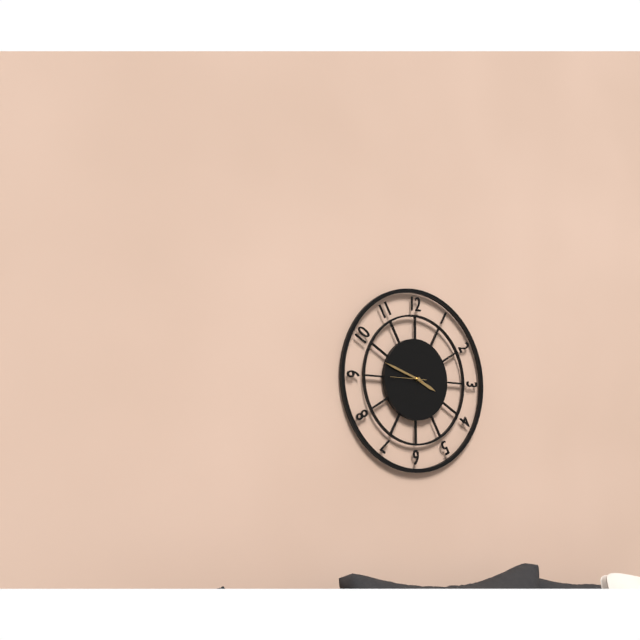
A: 3:48
